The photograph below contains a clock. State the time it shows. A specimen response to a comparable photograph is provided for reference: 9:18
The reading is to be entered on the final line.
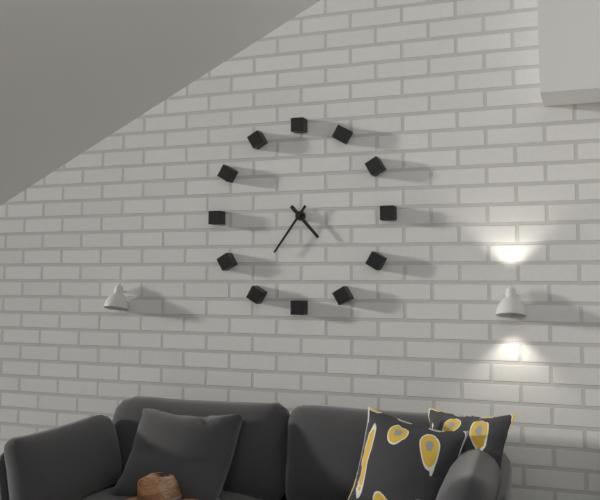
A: 4:36
